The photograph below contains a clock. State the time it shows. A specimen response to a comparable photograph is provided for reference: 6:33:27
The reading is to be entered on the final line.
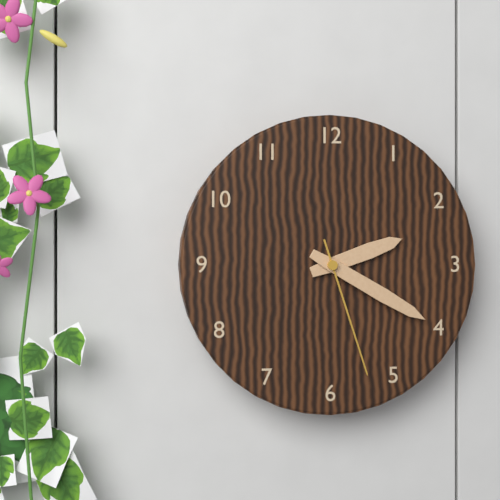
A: 2:20:27
